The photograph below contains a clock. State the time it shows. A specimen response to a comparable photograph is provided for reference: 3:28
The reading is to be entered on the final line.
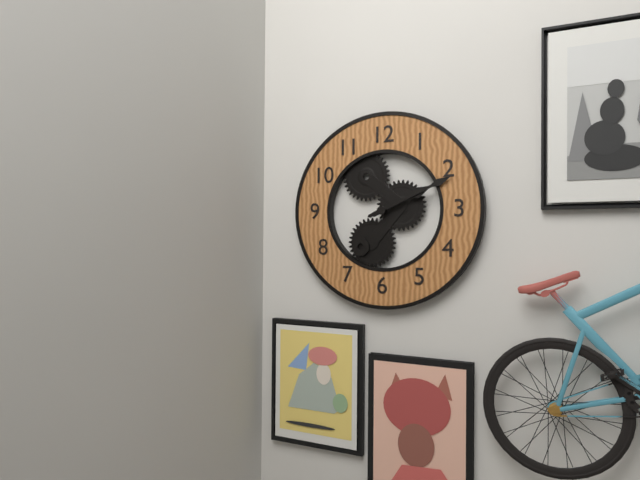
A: 2:11
